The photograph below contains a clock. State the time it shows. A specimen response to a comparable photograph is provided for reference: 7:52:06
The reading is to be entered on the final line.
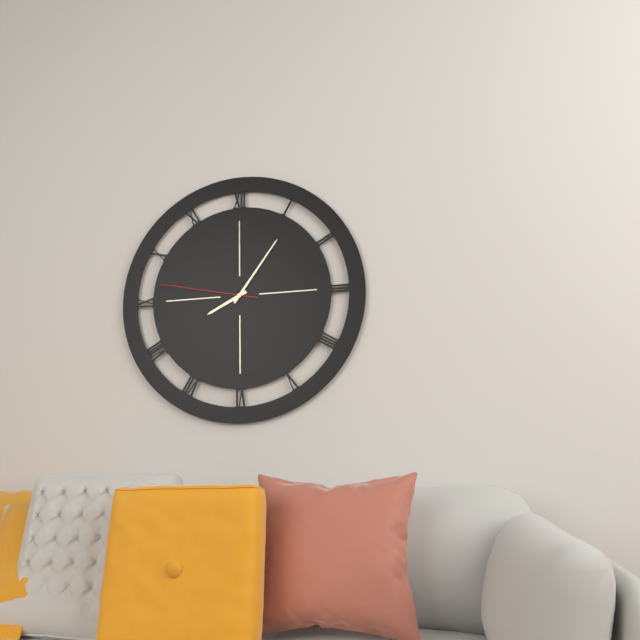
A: 8:06:47
